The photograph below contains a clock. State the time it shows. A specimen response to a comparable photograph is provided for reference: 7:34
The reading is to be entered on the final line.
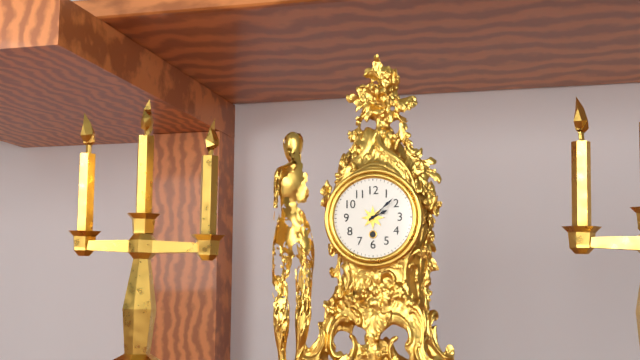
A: 2:08
